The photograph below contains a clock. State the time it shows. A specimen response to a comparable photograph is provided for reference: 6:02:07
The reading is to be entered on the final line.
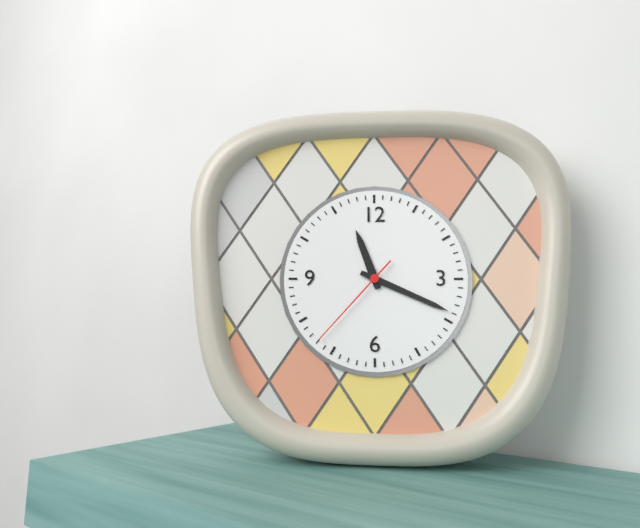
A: 11:19:37
